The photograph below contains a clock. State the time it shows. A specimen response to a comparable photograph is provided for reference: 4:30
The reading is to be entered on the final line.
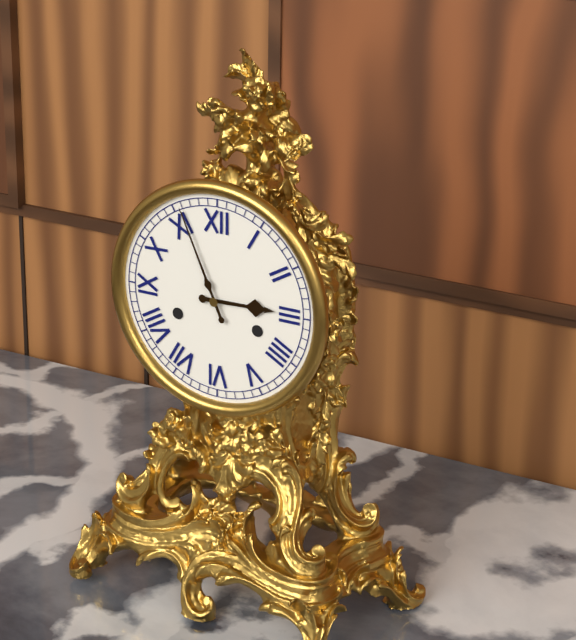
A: 2:56
